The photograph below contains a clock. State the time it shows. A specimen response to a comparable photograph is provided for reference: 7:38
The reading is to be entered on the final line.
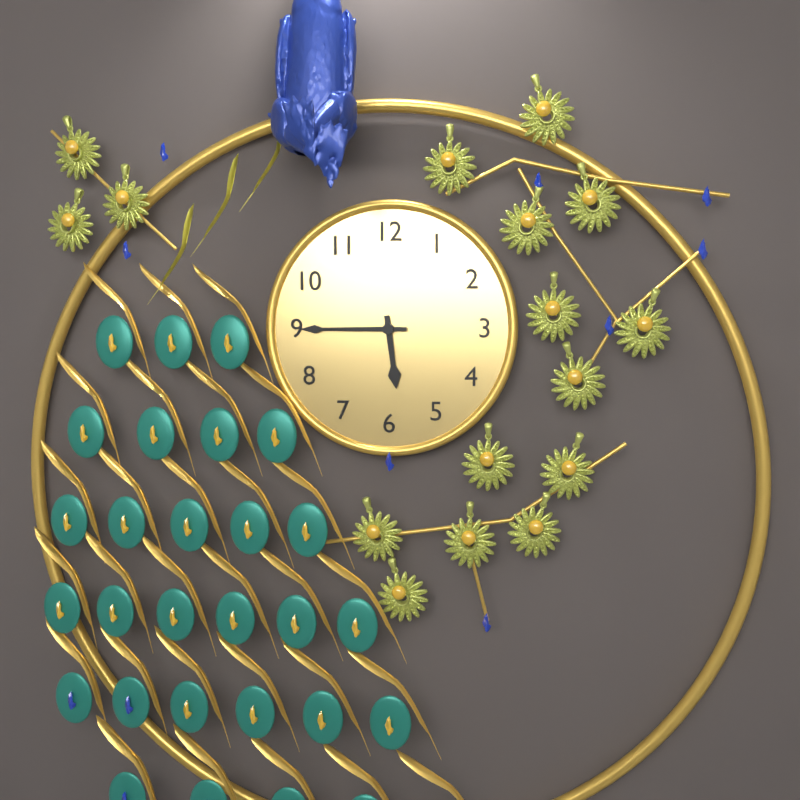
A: 5:45
